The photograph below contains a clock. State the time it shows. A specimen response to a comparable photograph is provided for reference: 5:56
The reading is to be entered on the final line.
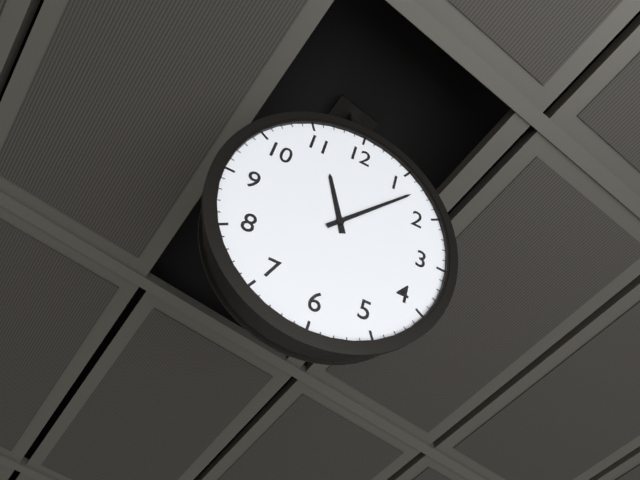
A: 11:07
